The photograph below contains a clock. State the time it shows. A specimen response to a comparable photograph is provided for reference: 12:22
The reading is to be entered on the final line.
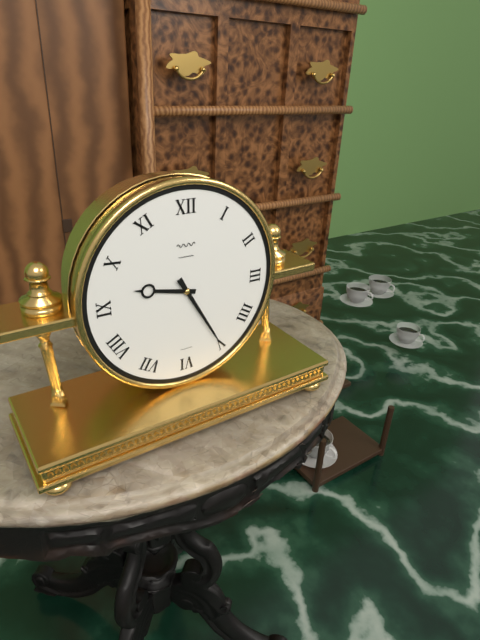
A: 9:25
